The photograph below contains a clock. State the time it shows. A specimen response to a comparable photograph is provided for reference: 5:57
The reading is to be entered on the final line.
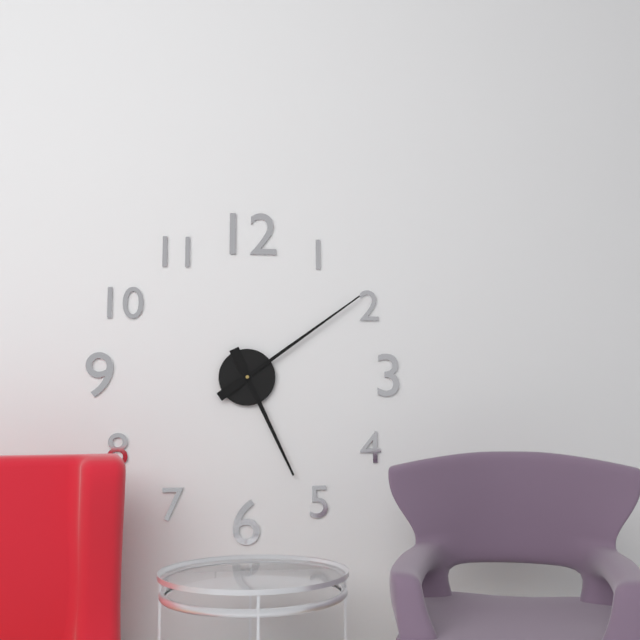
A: 5:09
